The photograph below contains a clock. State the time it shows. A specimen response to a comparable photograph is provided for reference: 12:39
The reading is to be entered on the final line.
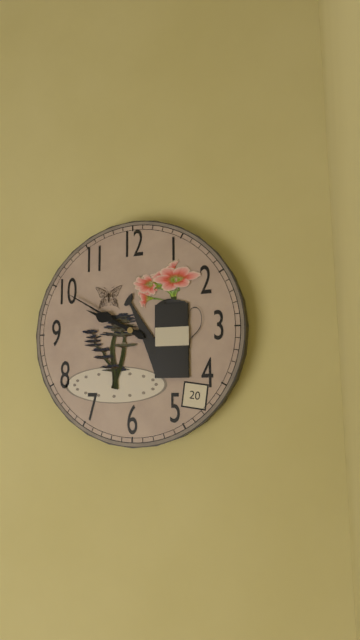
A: 9:50
